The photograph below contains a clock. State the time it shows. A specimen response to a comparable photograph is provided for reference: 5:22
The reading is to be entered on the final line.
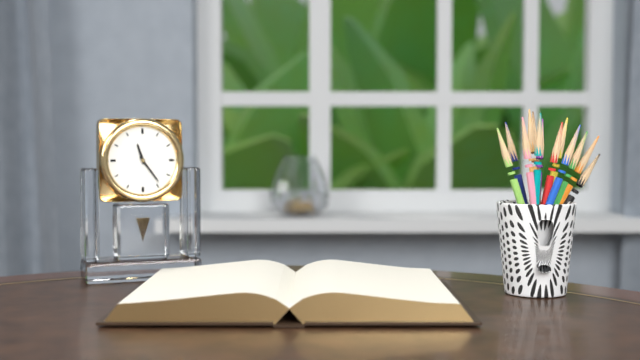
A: 11:24
